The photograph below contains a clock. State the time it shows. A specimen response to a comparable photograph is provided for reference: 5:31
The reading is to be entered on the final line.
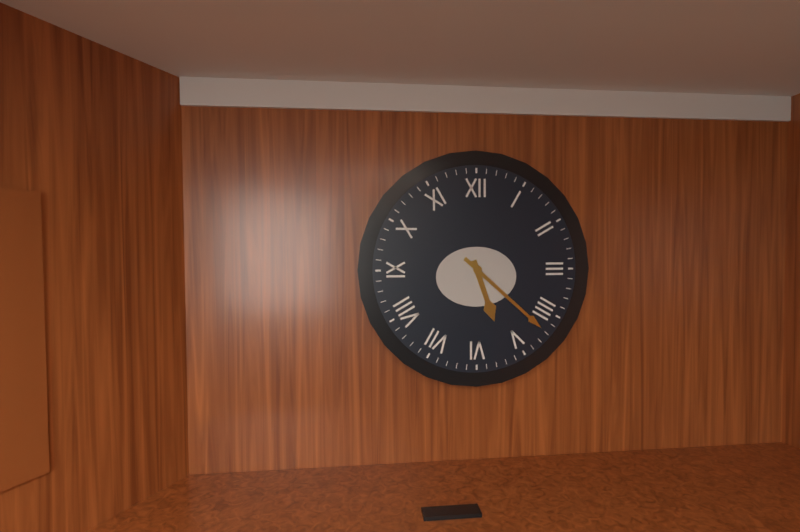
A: 5:22
